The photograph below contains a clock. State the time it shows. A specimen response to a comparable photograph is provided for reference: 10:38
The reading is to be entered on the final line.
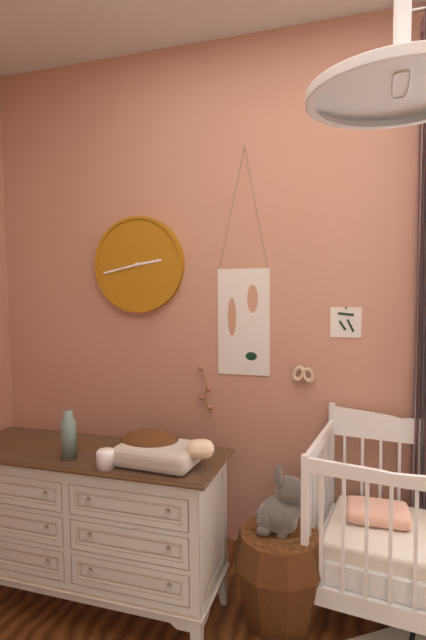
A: 2:43
